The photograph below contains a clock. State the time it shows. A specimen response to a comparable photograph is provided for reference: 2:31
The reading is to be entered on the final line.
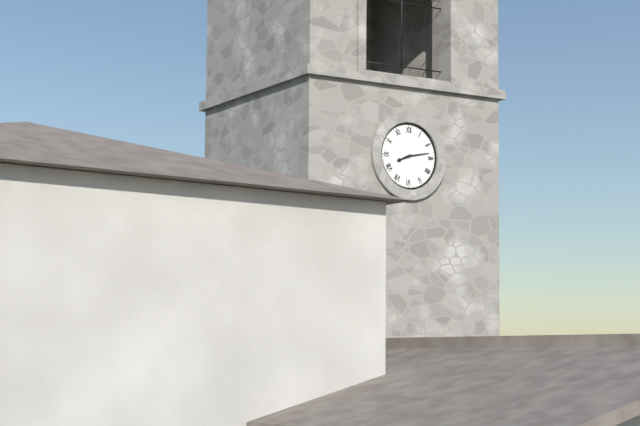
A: 8:13
